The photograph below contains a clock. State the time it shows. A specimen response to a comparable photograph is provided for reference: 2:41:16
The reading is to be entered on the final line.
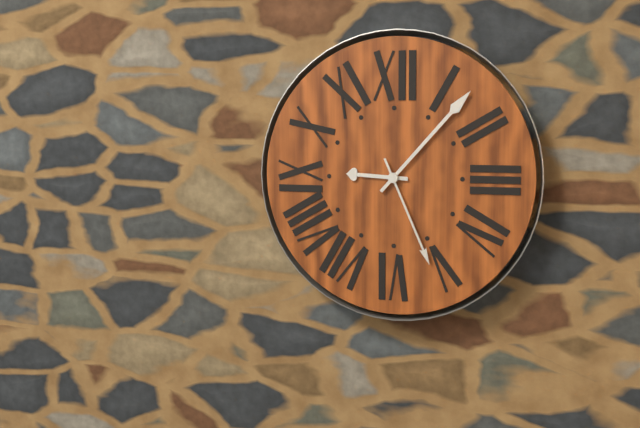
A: 9:07:26
